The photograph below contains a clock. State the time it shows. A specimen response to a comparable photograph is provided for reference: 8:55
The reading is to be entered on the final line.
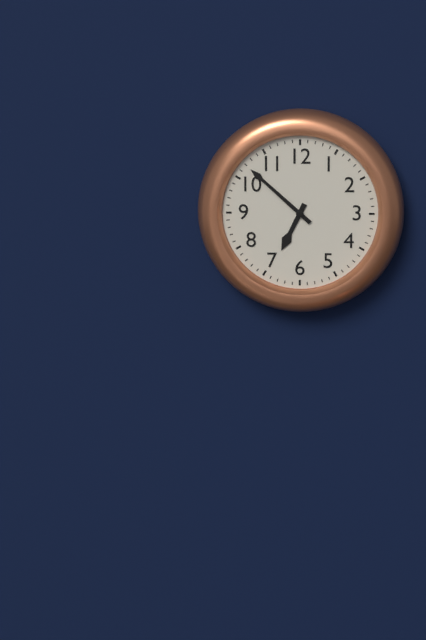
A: 6:52
